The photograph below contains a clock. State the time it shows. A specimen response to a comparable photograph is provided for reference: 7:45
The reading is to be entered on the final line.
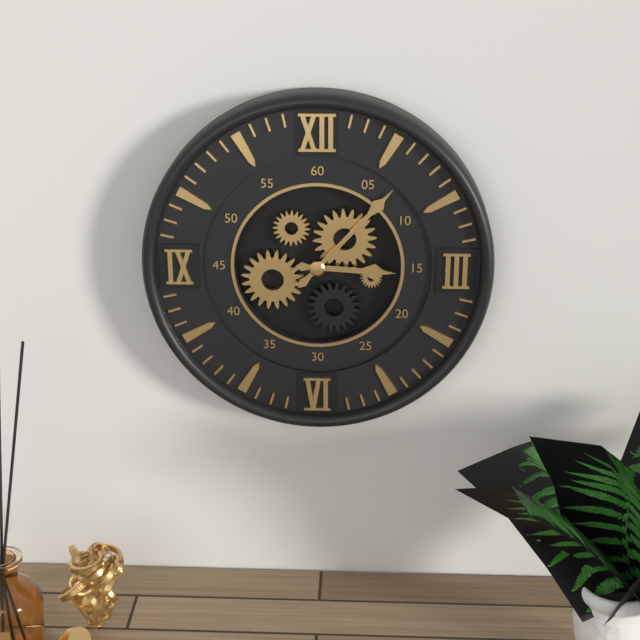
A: 3:07
